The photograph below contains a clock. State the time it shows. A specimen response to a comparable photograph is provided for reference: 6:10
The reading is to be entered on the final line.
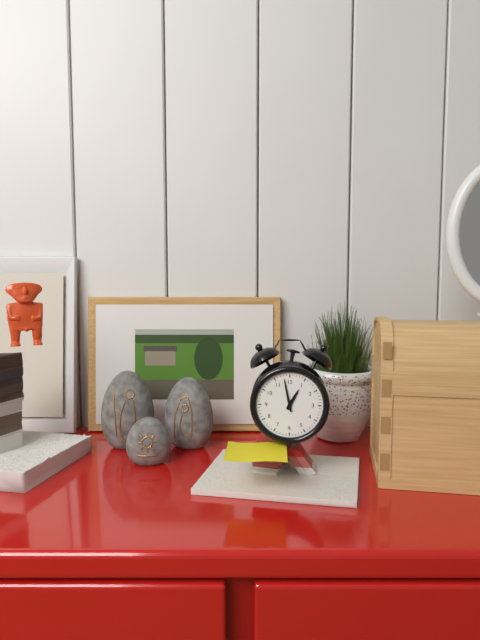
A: 12:58
